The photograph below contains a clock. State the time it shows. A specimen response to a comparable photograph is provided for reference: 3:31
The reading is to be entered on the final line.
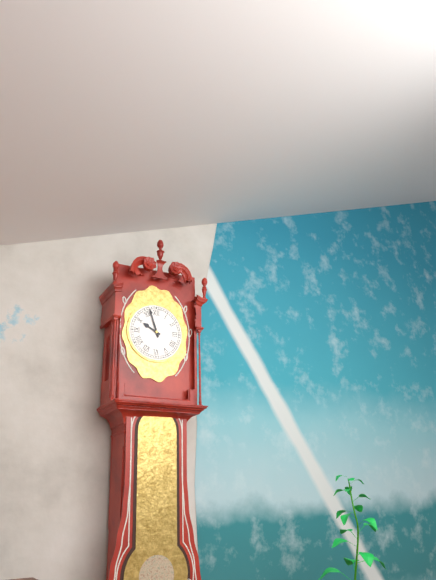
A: 9:57
